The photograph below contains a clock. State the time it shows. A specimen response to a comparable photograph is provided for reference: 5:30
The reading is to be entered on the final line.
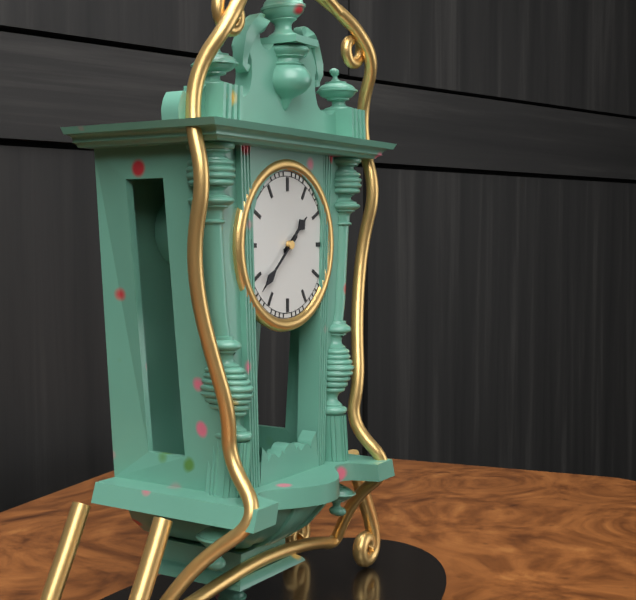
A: 1:38
